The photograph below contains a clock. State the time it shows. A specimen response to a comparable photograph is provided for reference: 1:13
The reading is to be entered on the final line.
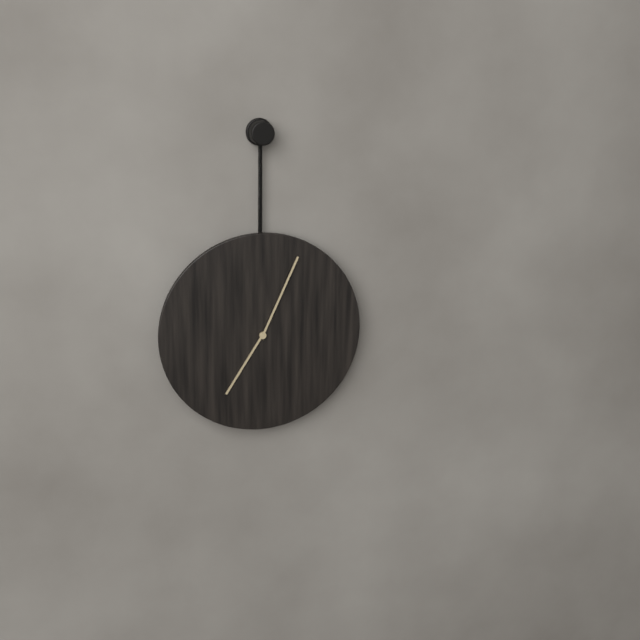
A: 7:04
